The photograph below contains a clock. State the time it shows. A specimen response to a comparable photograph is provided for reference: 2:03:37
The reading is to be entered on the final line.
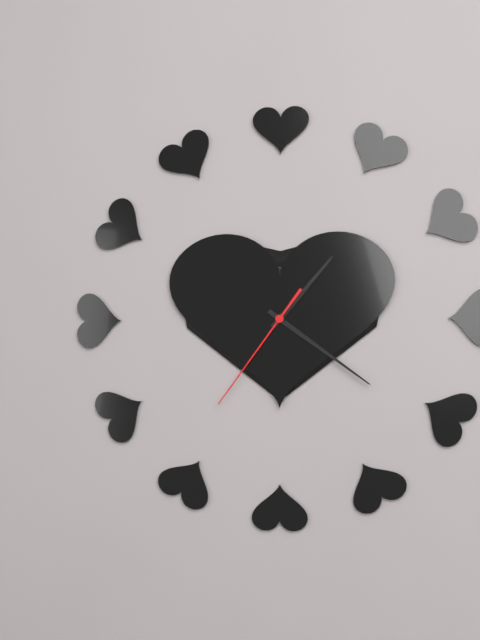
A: 1:21:36
